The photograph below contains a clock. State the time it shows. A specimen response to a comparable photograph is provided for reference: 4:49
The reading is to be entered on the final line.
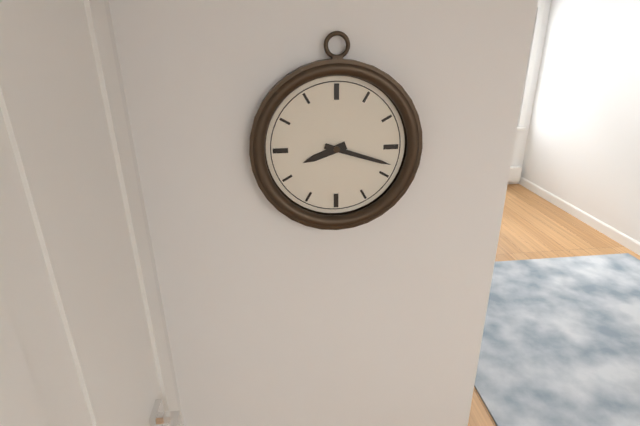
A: 8:18
